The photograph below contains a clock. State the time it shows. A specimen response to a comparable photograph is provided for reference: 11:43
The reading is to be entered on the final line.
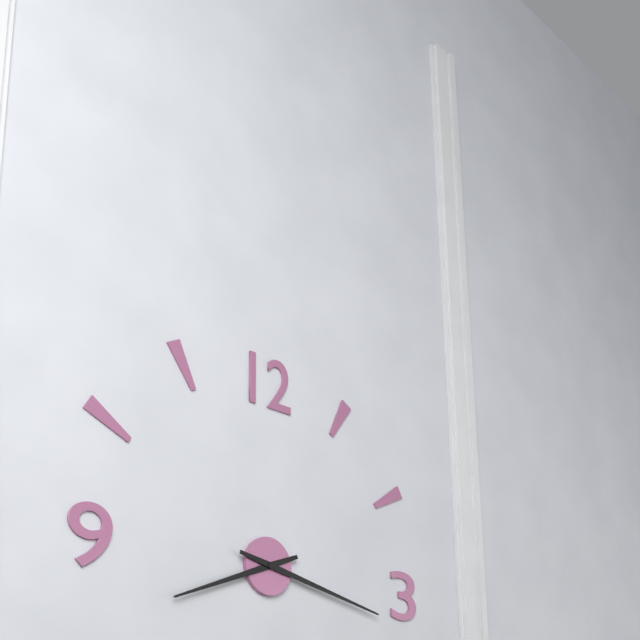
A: 8:17
